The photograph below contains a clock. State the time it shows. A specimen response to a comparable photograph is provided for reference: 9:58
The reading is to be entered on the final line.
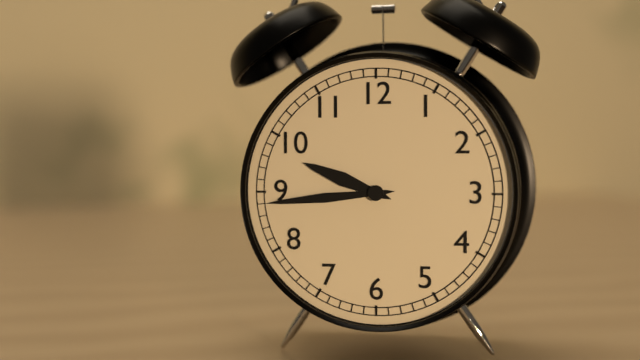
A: 9:44
